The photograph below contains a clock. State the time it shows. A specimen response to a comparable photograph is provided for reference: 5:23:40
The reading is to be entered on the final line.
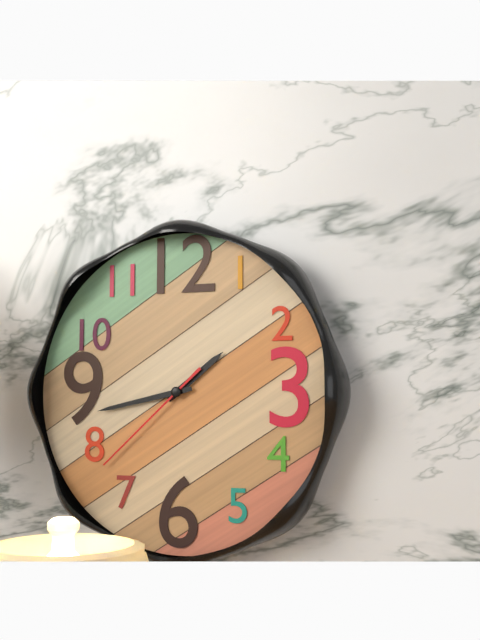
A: 1:43:38
